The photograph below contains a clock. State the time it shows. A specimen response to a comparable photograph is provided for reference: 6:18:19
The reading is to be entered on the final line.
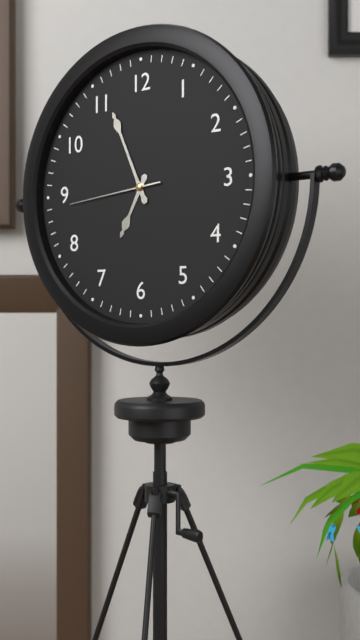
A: 6:56:44
